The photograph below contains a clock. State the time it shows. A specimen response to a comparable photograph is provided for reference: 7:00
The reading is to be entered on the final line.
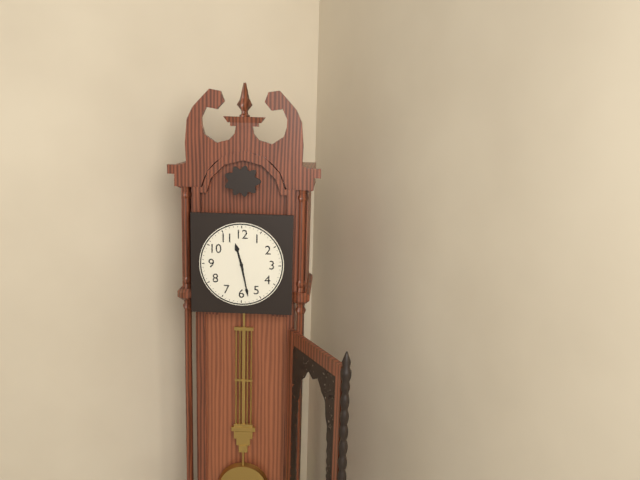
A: 11:28
